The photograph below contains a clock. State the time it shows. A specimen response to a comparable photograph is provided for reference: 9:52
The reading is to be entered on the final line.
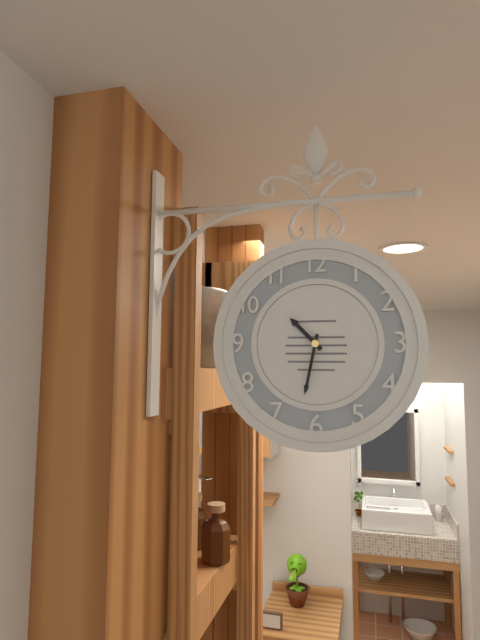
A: 10:32
